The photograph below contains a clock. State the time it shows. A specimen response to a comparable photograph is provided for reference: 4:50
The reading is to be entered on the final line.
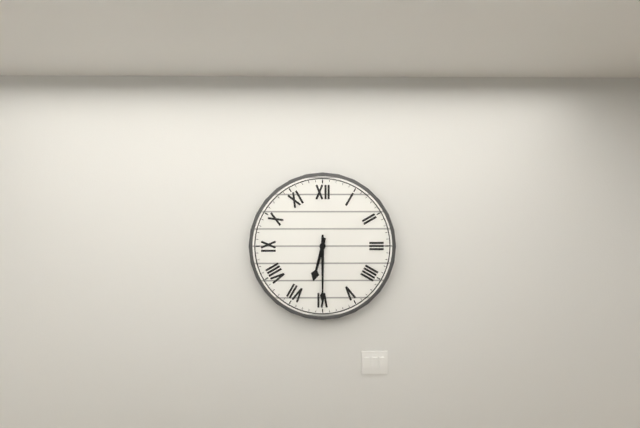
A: 6:30
